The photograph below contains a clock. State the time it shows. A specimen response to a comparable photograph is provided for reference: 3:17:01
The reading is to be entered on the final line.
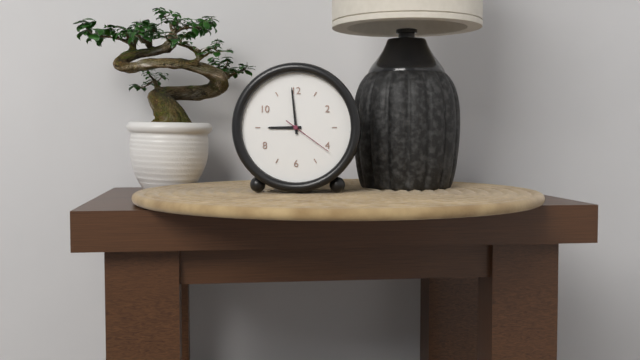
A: 8:59:21
